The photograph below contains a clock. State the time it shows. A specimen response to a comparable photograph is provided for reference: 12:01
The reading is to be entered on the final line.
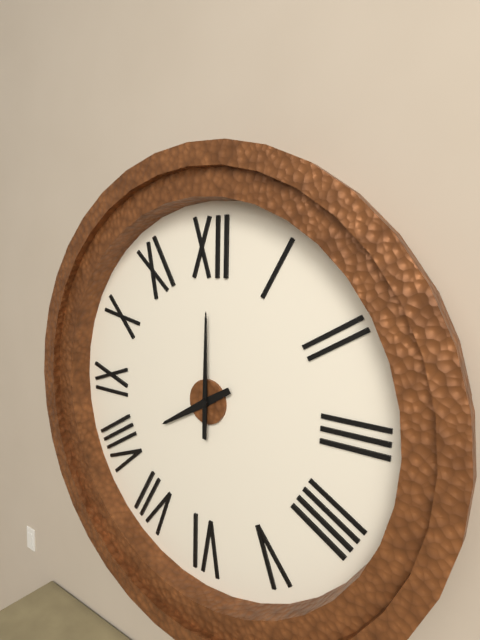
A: 8:00
